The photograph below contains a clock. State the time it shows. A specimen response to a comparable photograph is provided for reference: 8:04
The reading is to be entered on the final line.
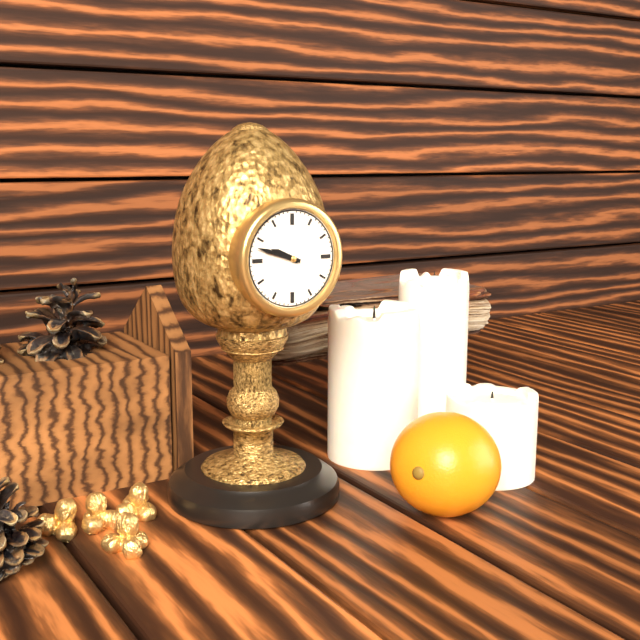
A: 9:48
